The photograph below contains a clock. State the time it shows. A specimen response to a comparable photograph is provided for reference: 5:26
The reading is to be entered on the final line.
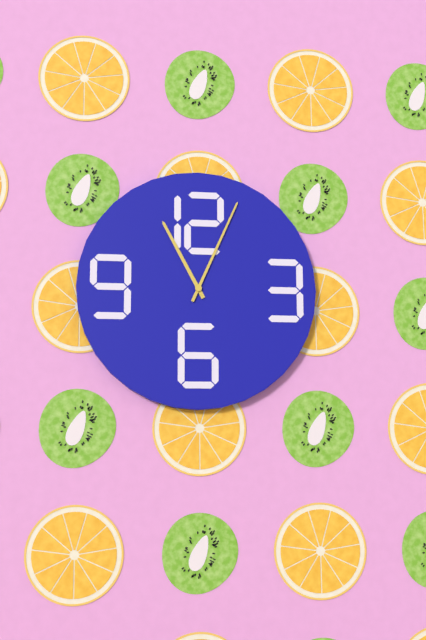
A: 11:04
